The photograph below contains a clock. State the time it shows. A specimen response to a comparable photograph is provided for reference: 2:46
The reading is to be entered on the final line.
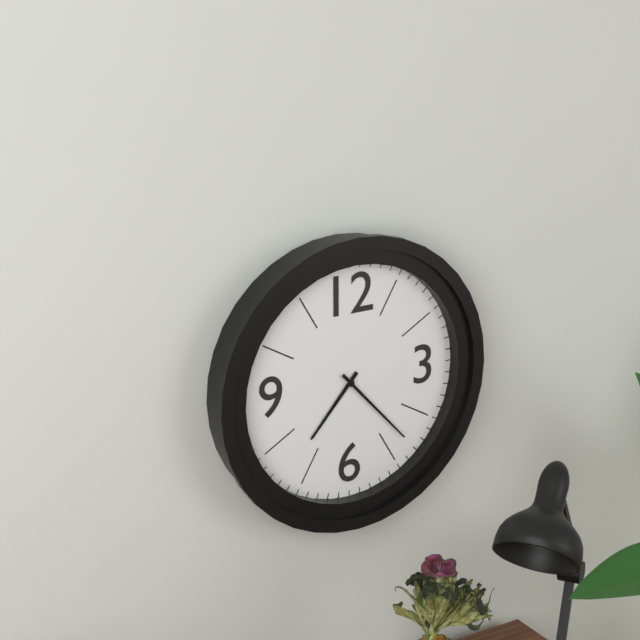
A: 7:23
